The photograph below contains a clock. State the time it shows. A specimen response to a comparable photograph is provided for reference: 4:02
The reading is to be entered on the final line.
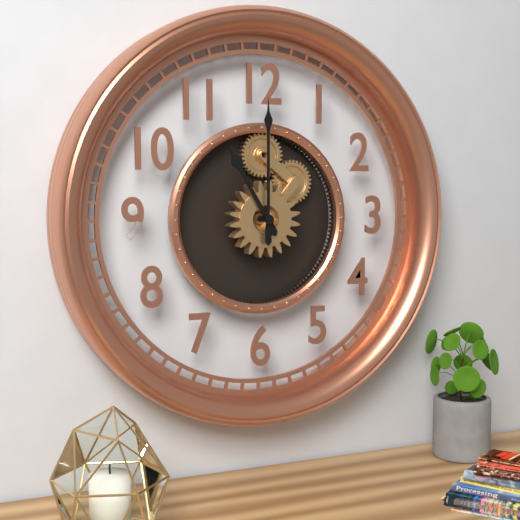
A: 11:00
